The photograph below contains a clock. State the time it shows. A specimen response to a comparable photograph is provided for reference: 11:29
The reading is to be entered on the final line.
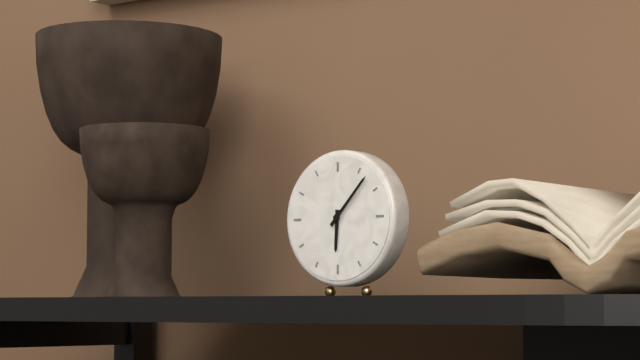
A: 6:07
